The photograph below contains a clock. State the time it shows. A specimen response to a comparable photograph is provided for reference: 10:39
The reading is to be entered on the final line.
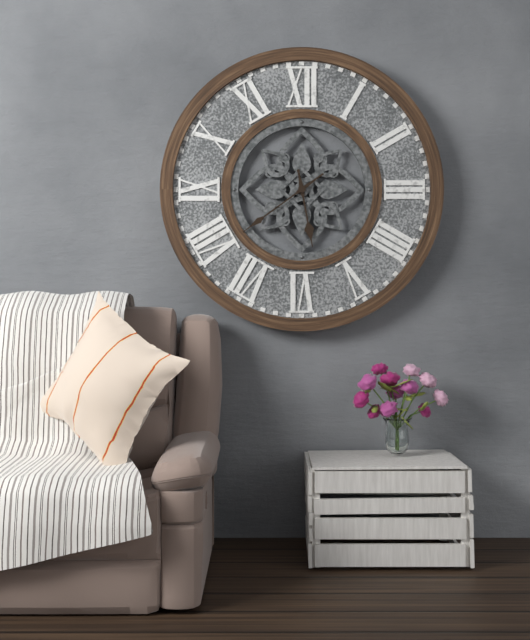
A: 5:39
